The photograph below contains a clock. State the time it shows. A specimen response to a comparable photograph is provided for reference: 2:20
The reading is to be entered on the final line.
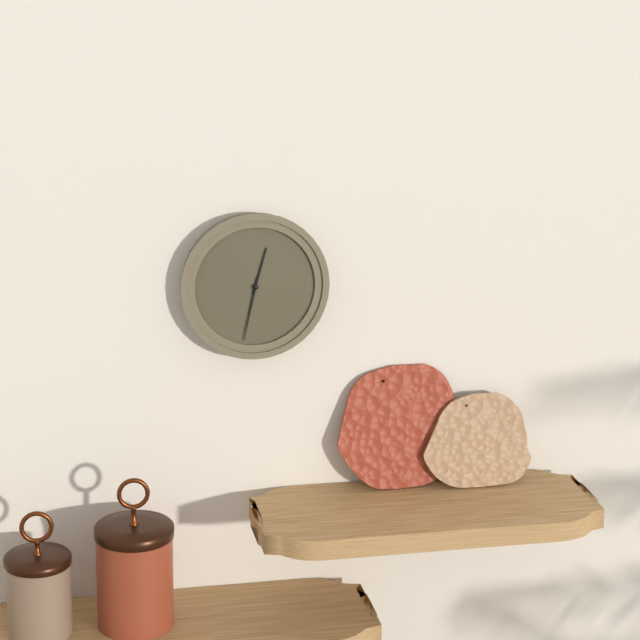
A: 12:32
